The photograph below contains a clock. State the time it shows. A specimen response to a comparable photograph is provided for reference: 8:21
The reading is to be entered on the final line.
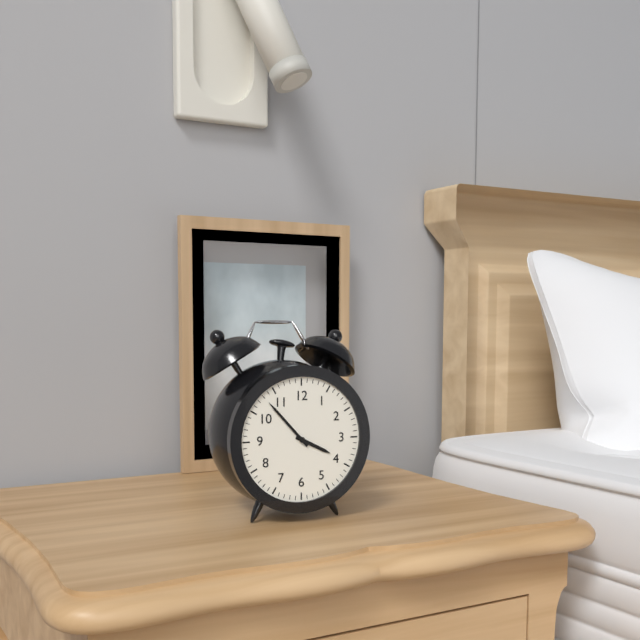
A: 3:53
